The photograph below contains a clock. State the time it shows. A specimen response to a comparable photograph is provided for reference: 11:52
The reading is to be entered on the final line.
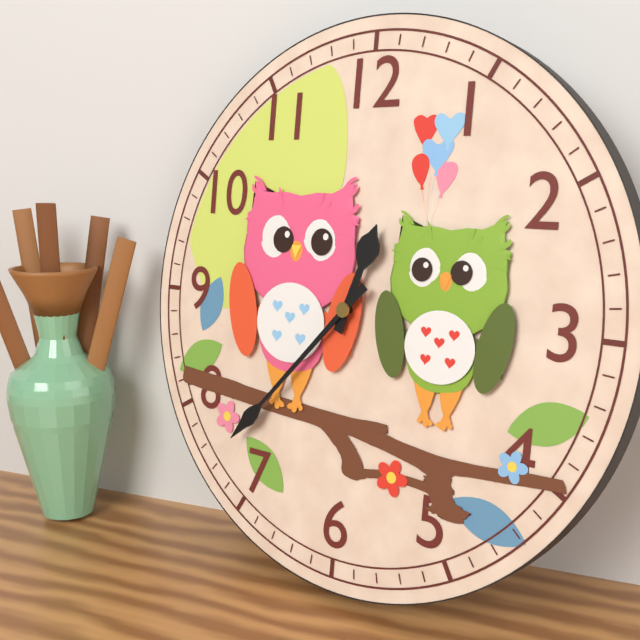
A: 12:37
